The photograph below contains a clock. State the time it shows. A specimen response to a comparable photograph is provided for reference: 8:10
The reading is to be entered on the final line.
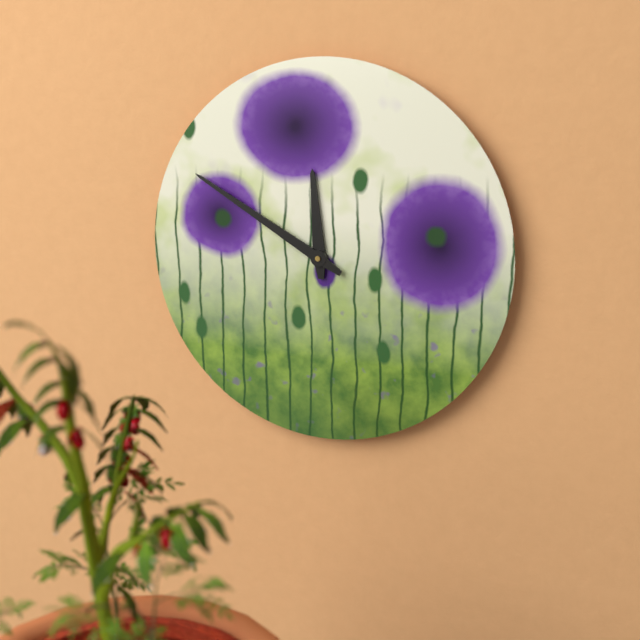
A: 11:50
